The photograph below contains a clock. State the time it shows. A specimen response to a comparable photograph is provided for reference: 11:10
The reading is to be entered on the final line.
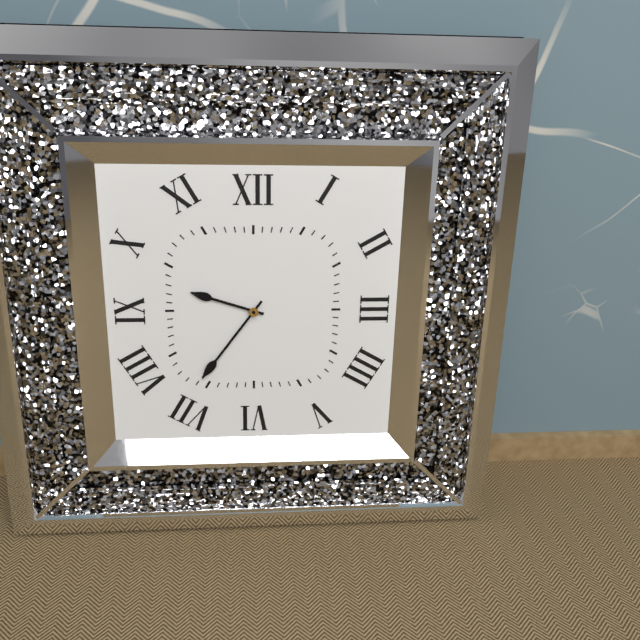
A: 9:36
